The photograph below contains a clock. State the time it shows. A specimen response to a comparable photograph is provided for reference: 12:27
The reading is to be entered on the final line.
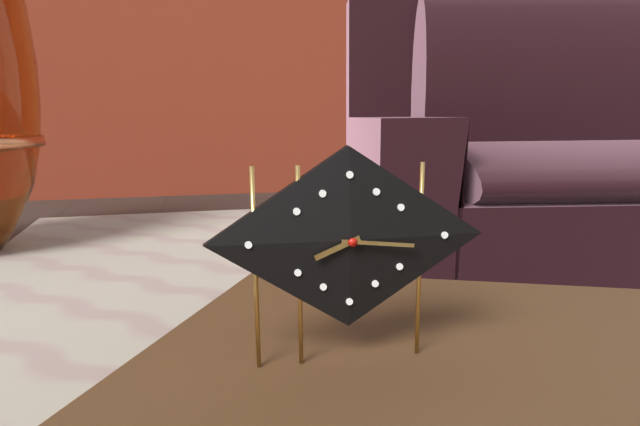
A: 8:16
